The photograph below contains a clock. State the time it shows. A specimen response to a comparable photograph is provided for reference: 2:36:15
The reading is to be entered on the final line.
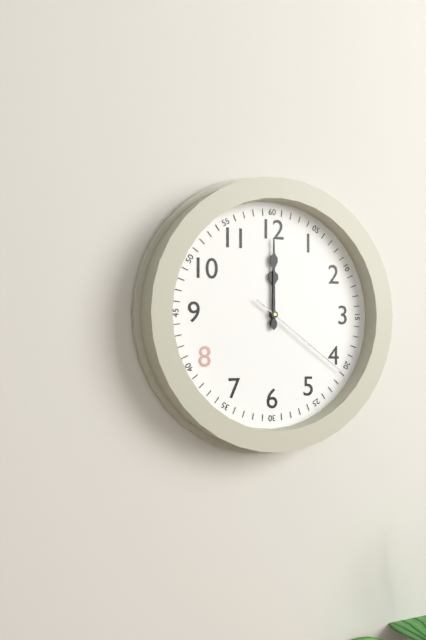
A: 12:00:21
